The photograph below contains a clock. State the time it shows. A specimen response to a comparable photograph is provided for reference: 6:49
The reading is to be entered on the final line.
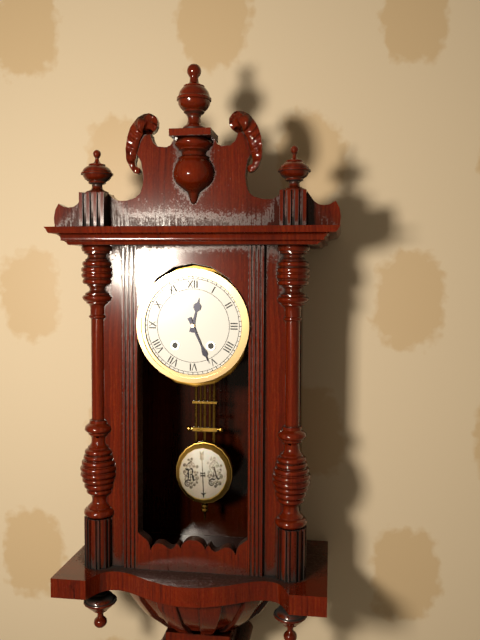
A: 12:26
